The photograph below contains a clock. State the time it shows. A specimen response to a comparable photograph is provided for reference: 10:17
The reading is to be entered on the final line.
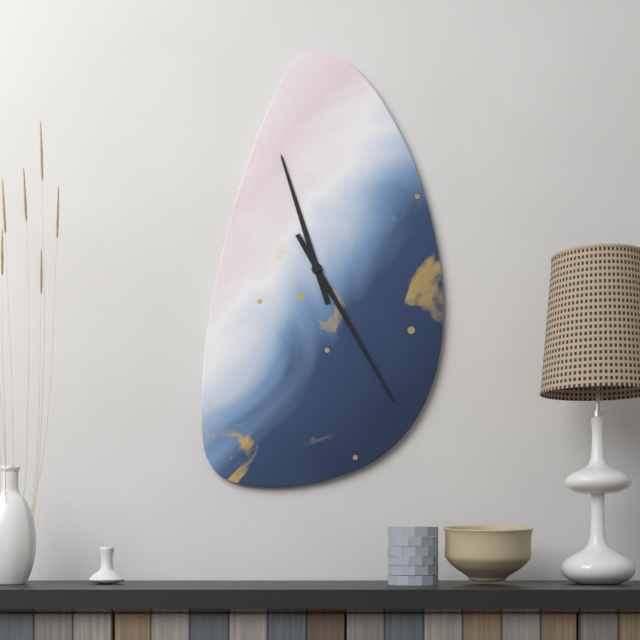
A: 11:25
